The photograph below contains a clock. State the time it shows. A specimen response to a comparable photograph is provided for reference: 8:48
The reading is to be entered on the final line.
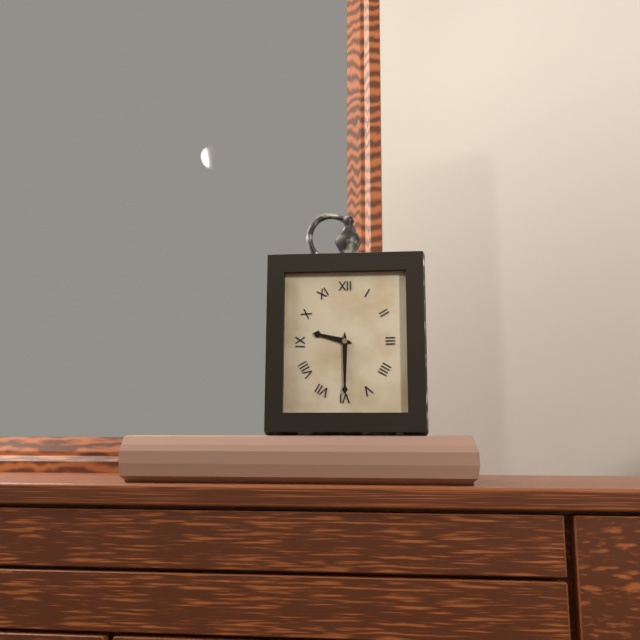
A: 9:30
